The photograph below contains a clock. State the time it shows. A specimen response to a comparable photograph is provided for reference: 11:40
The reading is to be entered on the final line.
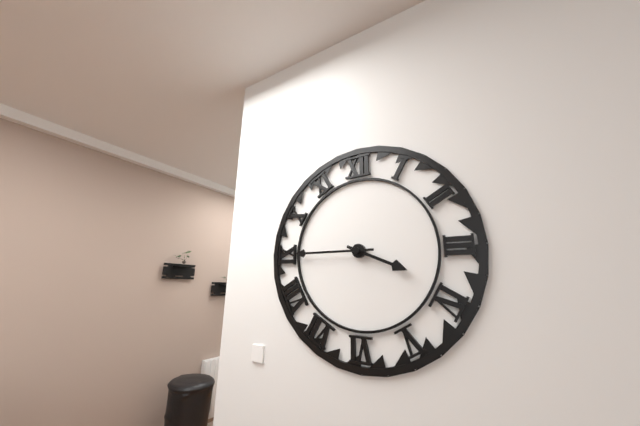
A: 3:45
